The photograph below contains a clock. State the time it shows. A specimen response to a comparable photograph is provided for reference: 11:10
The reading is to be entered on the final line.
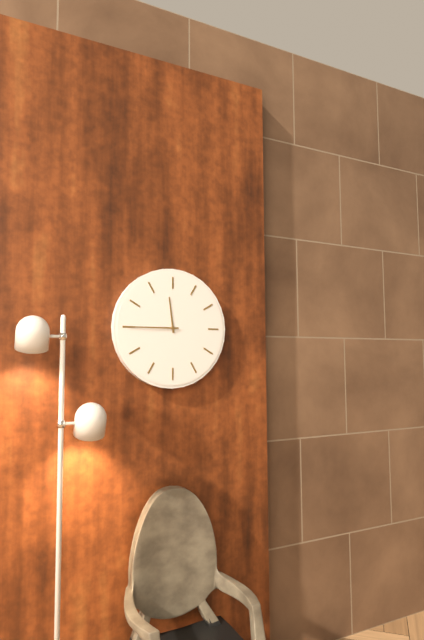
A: 11:45
